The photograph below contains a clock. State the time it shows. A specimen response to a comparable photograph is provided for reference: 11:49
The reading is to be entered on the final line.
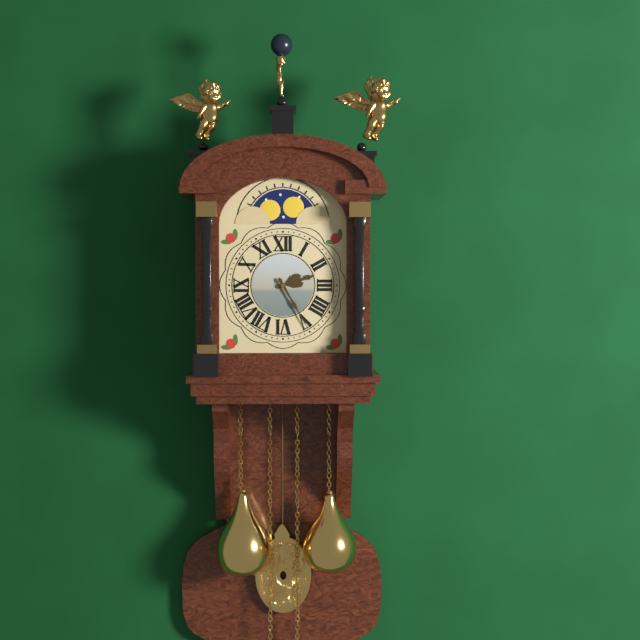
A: 2:25
